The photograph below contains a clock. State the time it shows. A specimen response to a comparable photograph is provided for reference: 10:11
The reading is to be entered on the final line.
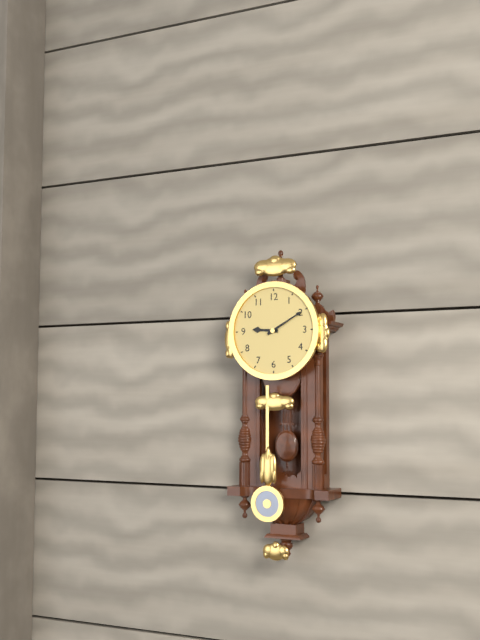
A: 9:10
